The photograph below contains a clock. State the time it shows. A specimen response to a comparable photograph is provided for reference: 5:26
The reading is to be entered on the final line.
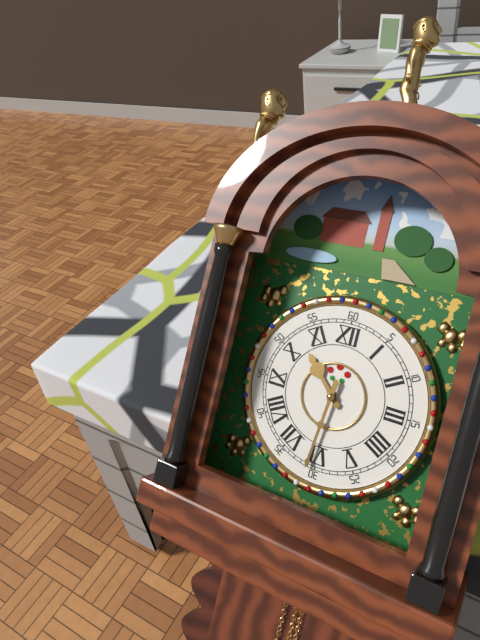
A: 10:31
